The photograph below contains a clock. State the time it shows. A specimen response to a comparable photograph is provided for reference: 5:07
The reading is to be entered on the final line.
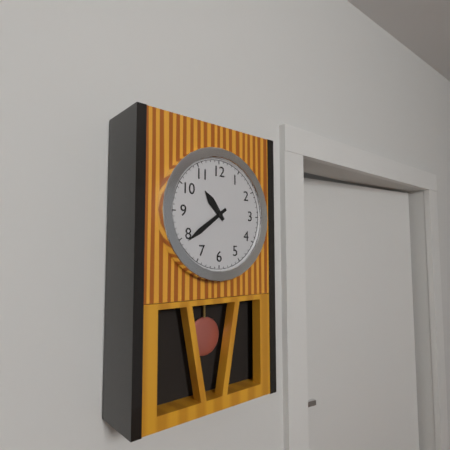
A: 10:39
